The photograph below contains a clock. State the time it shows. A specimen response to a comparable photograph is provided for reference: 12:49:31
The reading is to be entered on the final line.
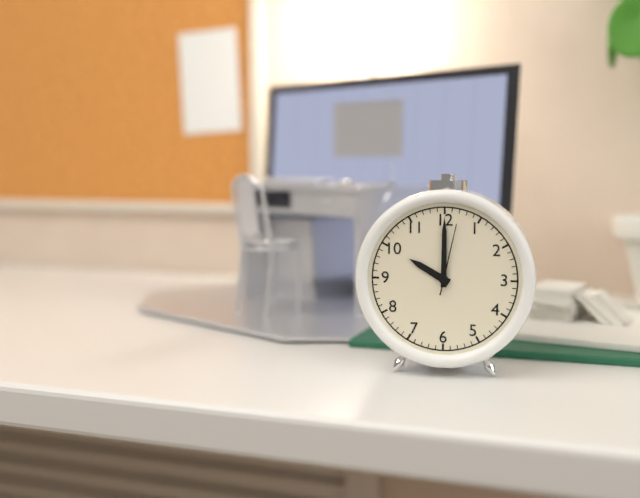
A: 10:00:02
